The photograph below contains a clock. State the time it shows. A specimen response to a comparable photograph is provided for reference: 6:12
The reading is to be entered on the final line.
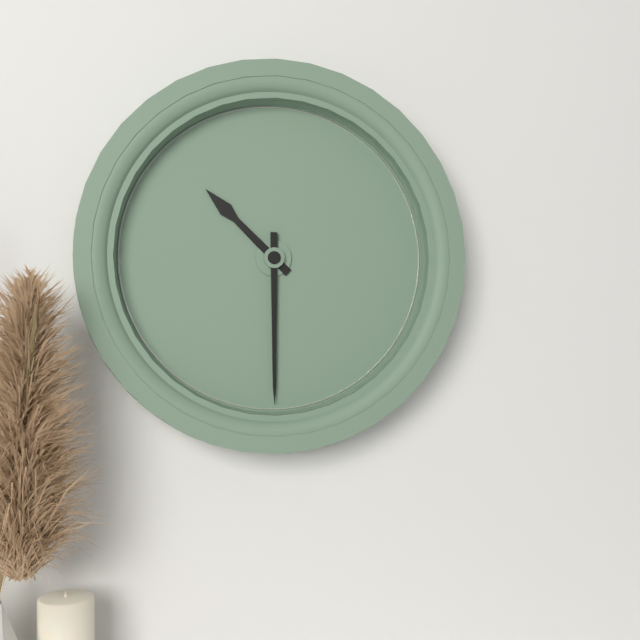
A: 10:30
